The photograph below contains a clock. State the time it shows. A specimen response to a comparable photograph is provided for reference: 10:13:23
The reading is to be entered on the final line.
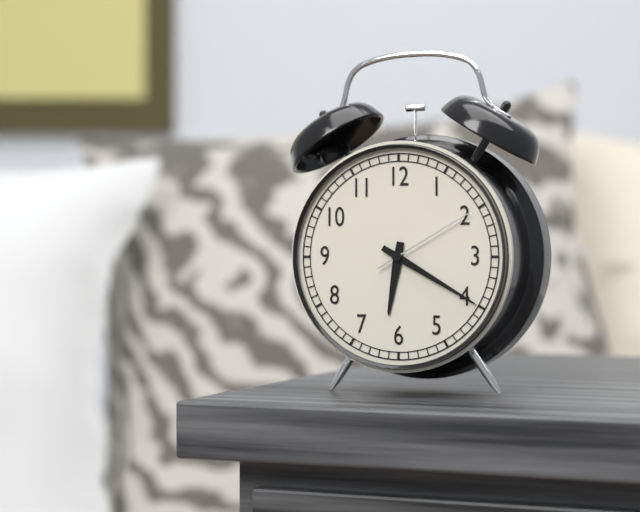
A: 6:20:10
